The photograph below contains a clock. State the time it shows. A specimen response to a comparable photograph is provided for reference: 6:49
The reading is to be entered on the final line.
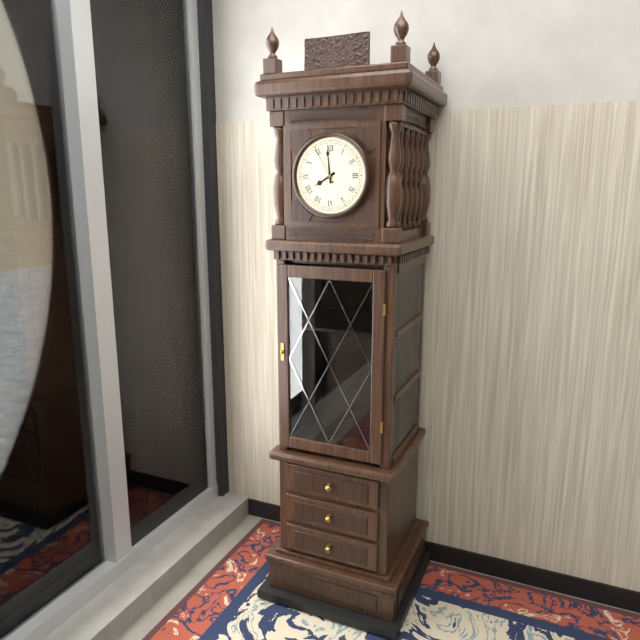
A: 7:59
